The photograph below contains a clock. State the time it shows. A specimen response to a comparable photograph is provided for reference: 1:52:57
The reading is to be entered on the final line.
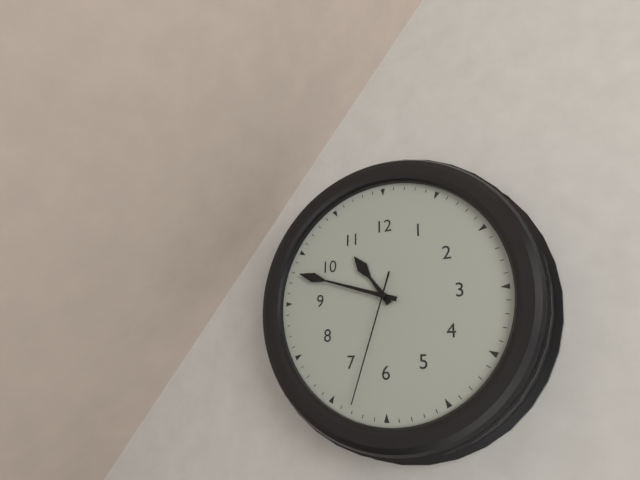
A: 10:48:33
